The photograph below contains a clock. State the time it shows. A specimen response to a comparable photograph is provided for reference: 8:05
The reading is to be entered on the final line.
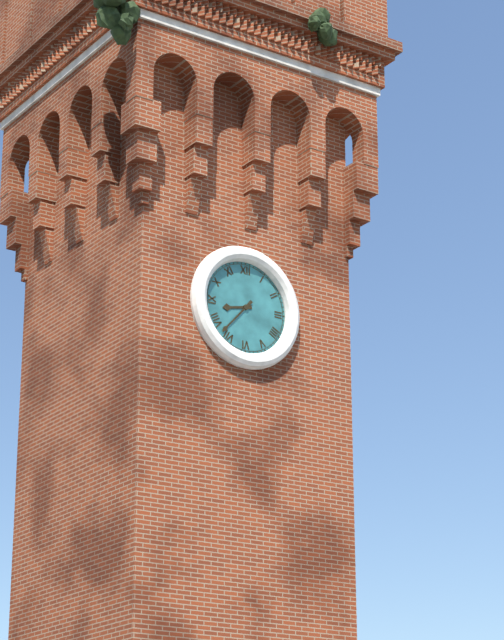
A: 8:37
